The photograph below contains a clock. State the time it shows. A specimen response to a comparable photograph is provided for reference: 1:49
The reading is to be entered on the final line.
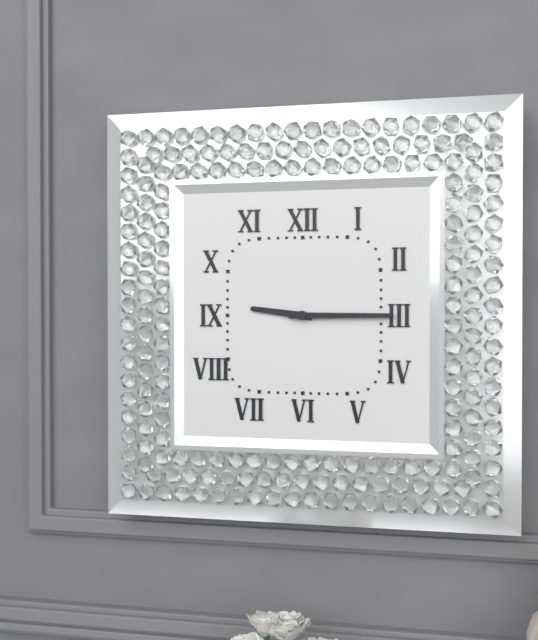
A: 9:15
